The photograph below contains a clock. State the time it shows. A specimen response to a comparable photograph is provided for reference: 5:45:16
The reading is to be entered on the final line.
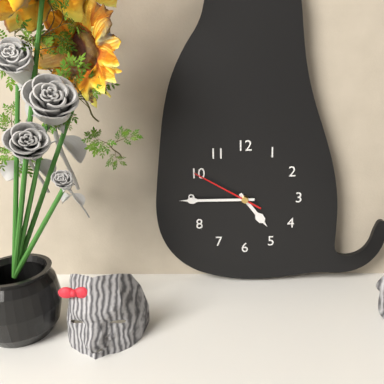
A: 4:45:50
